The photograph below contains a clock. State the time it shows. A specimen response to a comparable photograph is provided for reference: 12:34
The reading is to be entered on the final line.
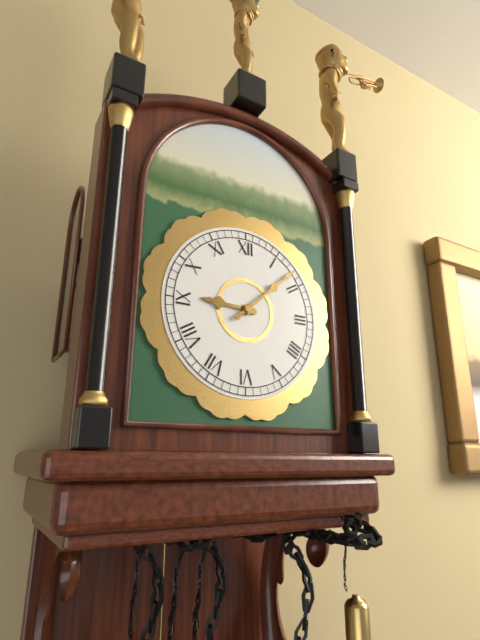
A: 9:08
